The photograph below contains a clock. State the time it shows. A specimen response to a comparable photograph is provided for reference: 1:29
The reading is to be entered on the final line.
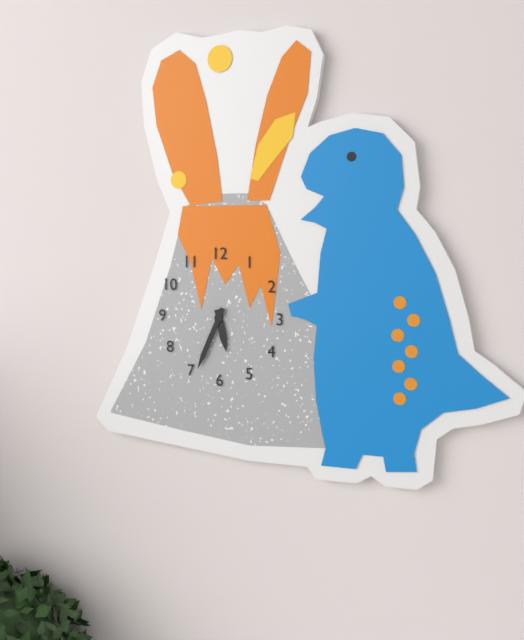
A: 5:34
